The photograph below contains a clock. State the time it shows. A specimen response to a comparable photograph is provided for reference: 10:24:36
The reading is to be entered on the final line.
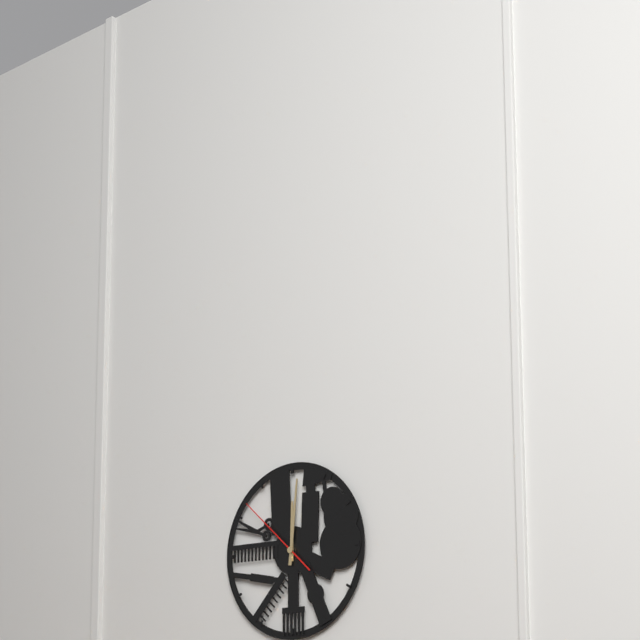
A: 12:01:52
